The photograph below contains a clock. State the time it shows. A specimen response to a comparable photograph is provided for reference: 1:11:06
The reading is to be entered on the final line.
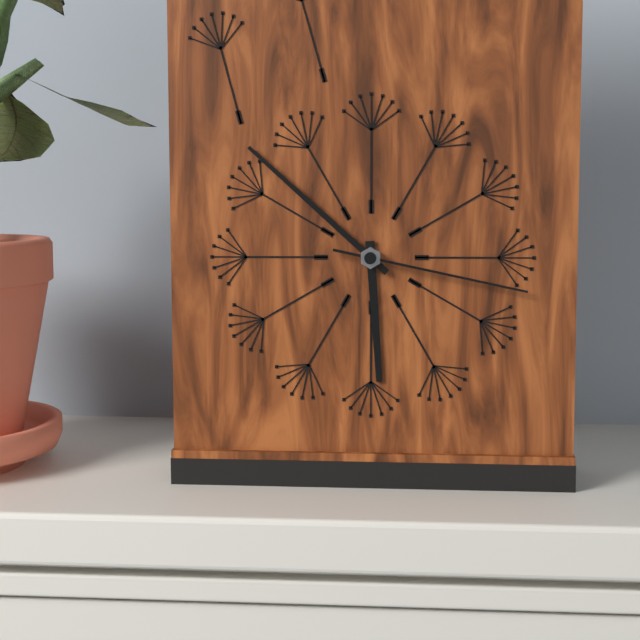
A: 5:52:17
